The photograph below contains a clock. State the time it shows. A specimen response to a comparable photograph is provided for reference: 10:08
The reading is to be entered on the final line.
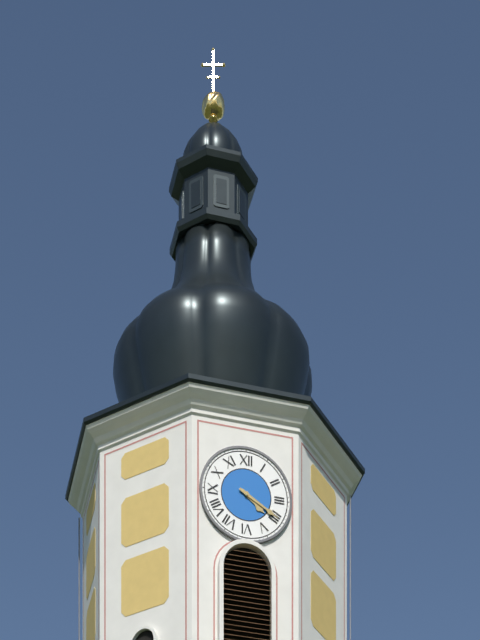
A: 4:20
